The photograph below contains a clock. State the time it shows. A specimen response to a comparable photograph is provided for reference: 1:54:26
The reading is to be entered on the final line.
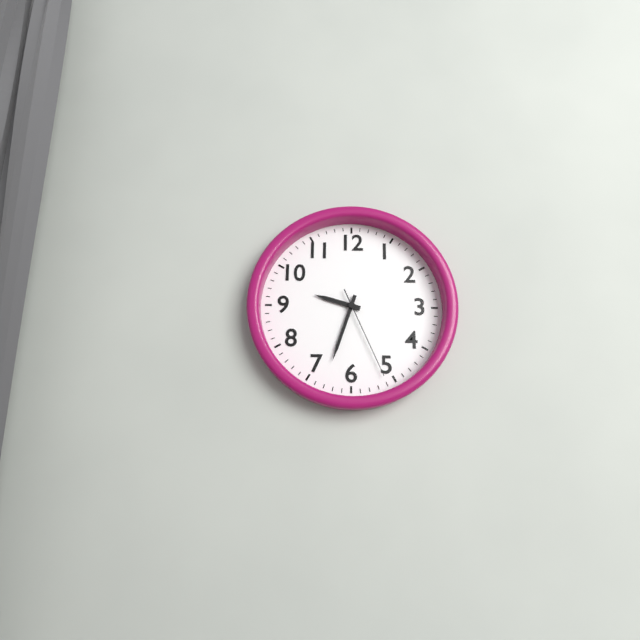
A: 9:33:26
